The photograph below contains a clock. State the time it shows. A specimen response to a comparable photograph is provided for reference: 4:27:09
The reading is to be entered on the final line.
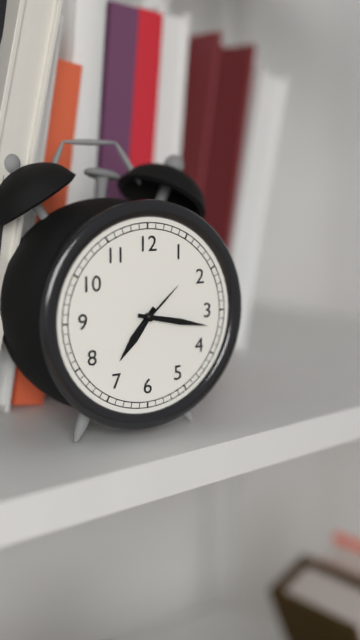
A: 7:17:08
